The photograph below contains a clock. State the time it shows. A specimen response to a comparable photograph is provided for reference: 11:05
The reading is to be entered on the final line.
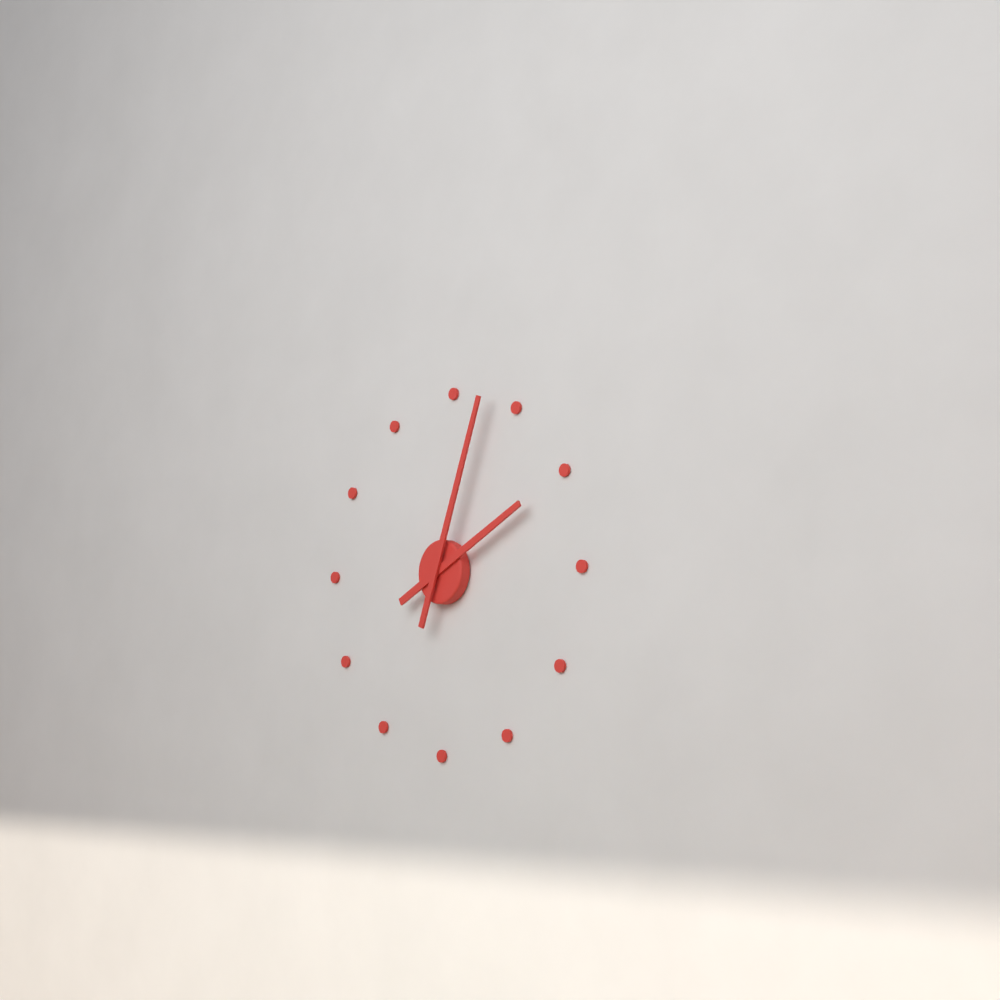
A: 2:03
